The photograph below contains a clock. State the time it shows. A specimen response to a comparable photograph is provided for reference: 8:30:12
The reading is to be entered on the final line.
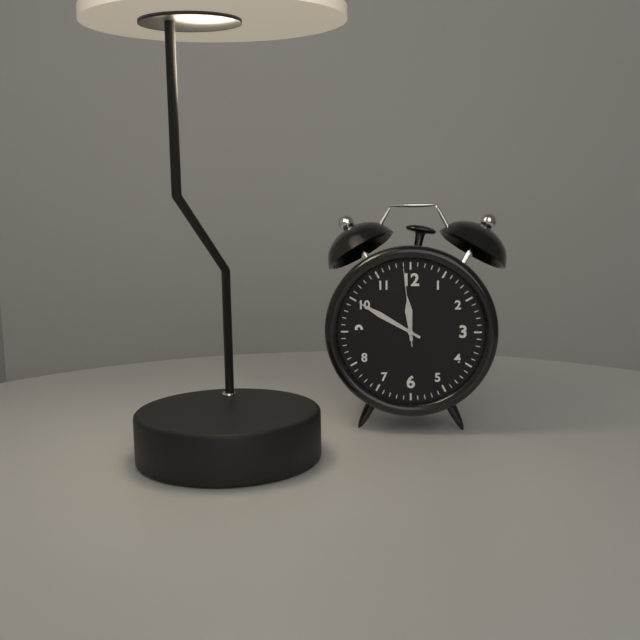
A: 11:50:59
